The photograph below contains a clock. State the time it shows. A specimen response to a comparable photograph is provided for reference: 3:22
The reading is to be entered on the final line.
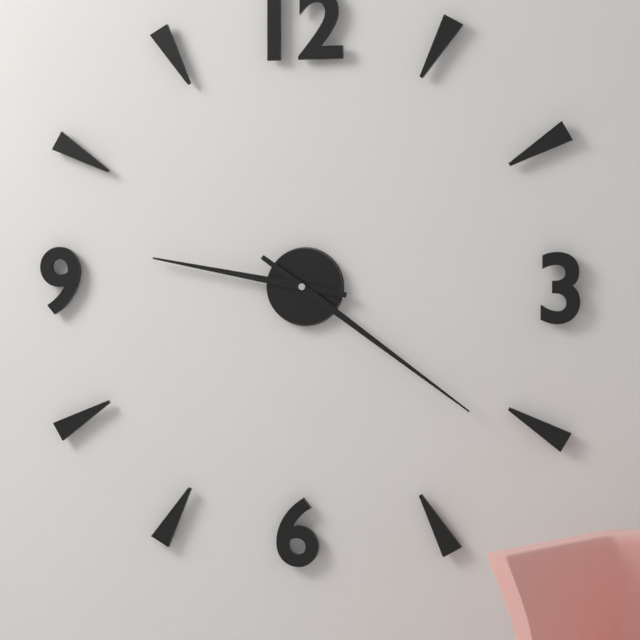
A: 9:21
